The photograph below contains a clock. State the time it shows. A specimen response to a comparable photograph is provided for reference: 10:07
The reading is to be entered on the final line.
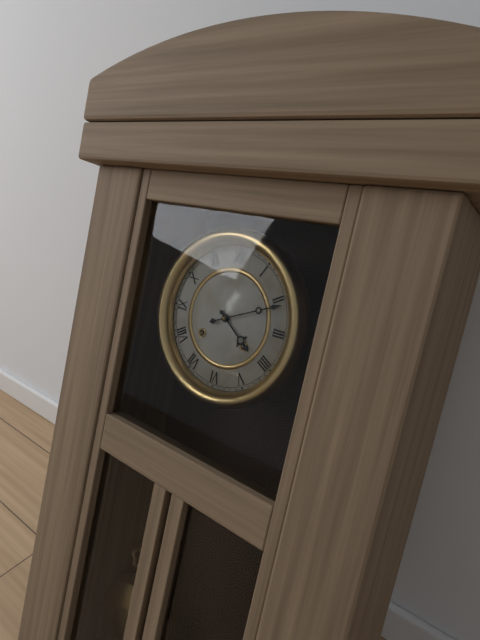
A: 4:11
